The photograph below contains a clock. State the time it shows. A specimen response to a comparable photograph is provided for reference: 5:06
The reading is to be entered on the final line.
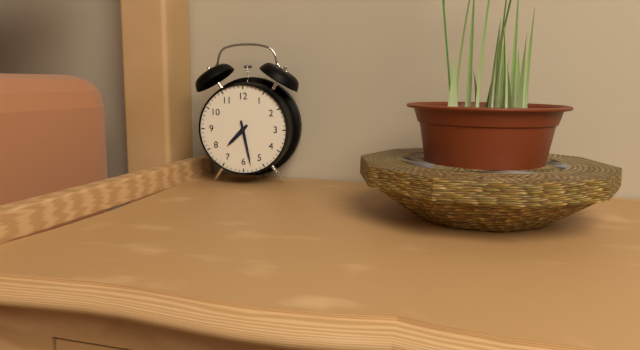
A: 7:28
